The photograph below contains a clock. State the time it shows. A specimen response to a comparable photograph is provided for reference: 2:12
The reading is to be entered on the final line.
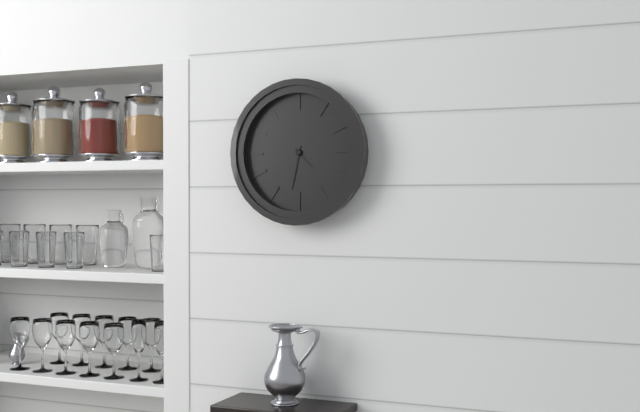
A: 4:32
